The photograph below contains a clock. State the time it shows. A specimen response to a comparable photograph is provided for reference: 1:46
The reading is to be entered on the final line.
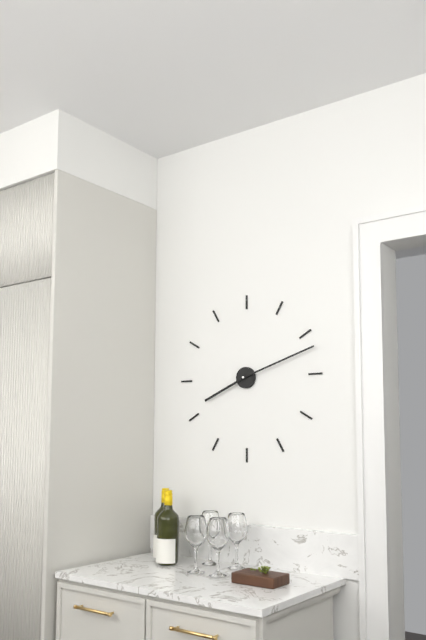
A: 8:12
